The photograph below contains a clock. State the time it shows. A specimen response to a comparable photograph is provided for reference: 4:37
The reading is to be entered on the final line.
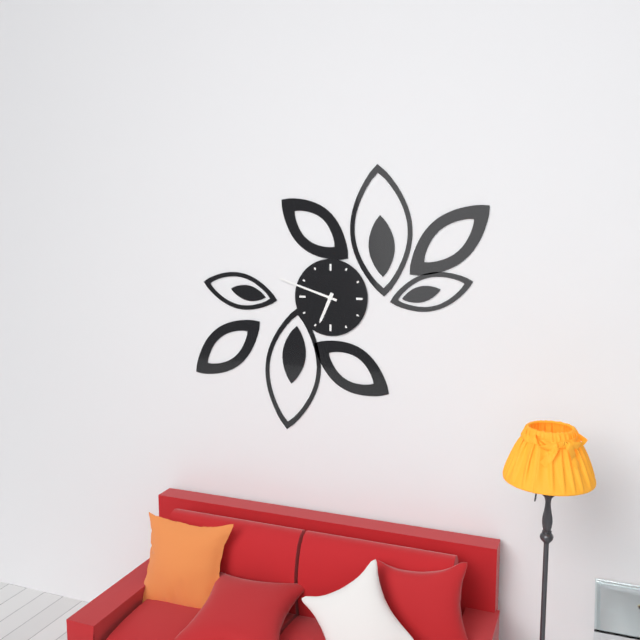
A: 6:48
